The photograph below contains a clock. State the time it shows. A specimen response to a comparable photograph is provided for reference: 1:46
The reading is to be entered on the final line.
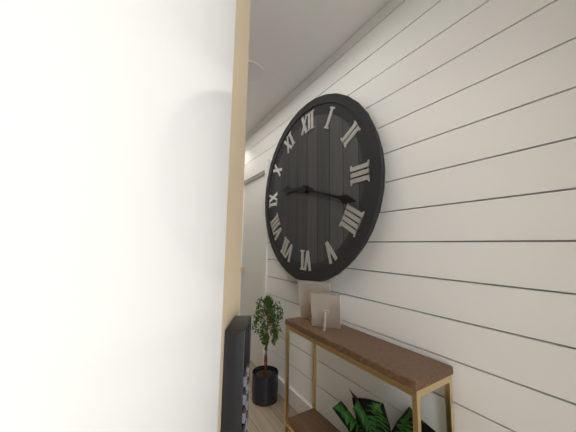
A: 9:18
